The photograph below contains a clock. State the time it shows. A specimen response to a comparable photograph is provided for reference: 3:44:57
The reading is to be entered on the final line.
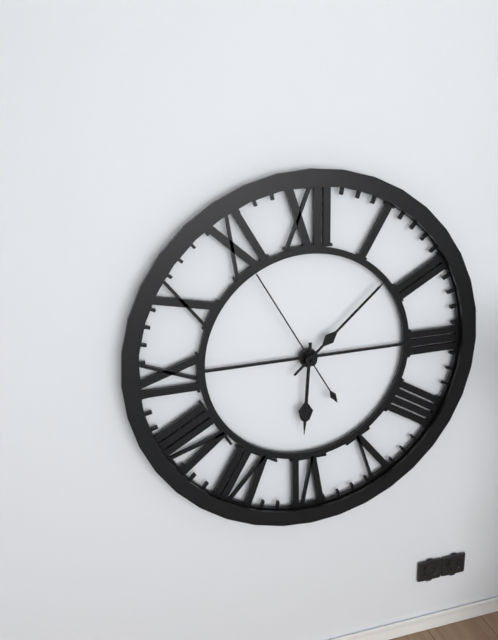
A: 6:08:55
